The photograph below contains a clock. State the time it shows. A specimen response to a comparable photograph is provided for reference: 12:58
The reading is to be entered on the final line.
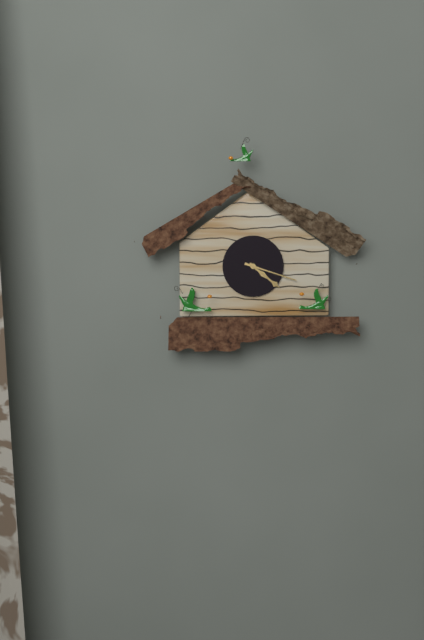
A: 4:18
